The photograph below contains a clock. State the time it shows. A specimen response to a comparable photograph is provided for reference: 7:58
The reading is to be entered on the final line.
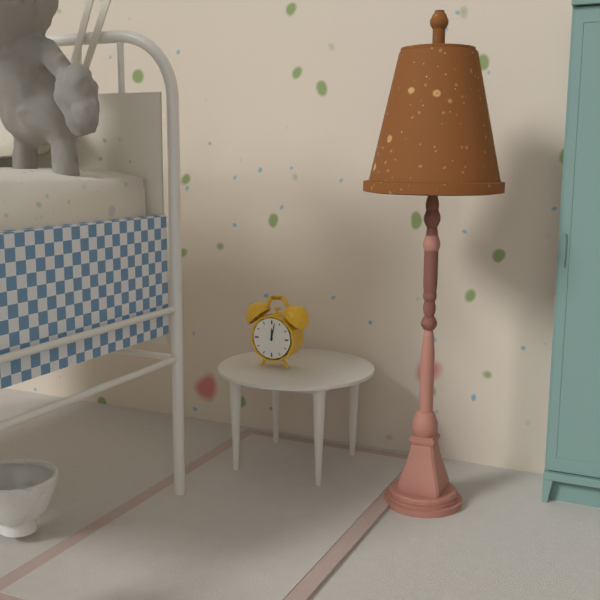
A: 12:02
